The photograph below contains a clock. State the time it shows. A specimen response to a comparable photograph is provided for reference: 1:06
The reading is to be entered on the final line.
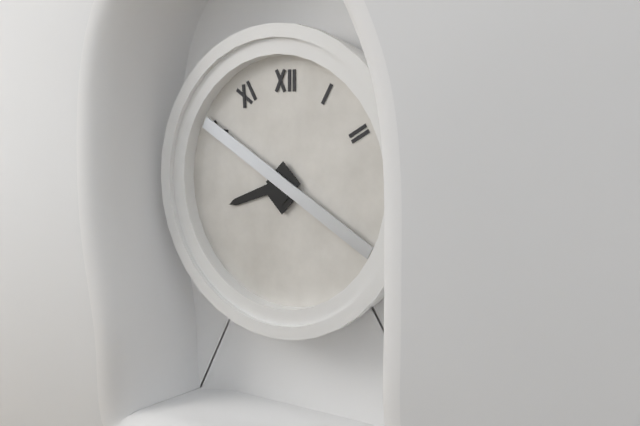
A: 8:20
